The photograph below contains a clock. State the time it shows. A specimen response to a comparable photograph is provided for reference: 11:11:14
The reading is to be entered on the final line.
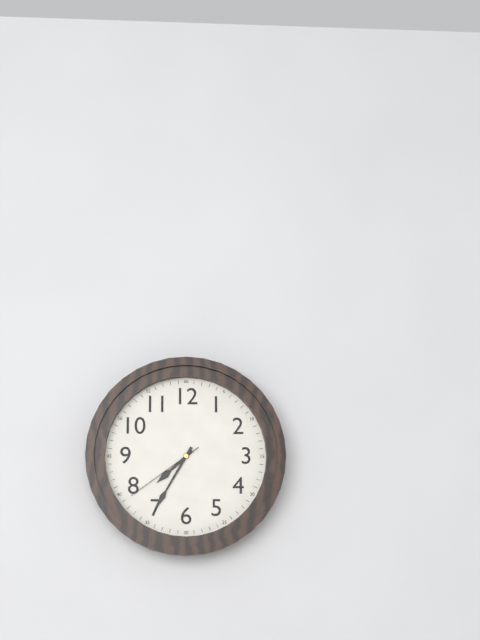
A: 7:35:39
